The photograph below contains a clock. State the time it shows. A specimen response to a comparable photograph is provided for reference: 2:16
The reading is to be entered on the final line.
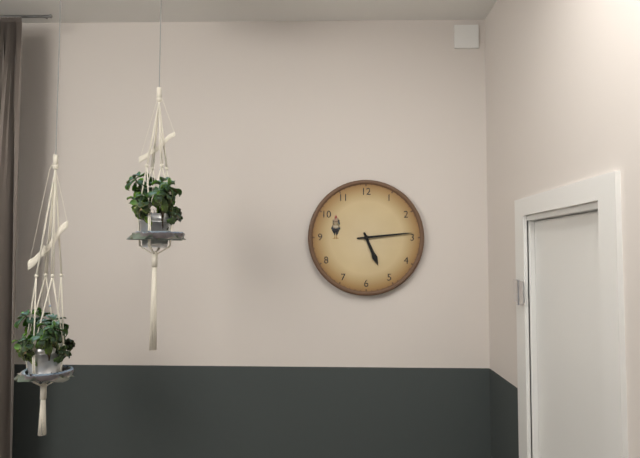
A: 5:14
